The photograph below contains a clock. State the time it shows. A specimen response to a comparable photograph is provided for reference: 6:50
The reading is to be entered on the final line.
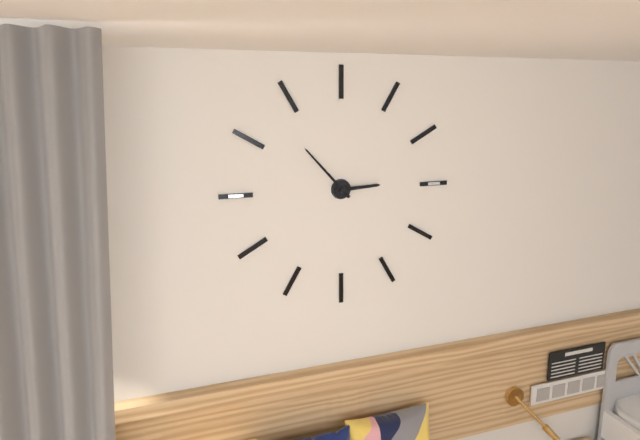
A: 2:53
